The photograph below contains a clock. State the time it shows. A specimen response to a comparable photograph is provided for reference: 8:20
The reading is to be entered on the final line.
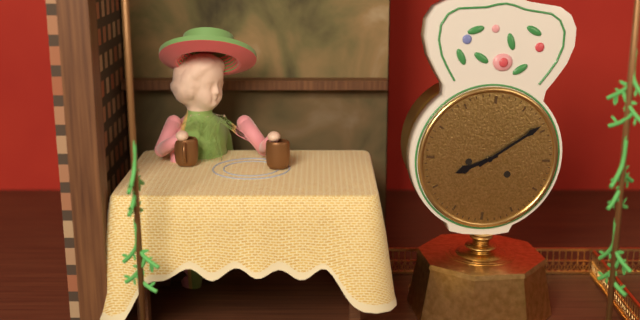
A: 8:09
